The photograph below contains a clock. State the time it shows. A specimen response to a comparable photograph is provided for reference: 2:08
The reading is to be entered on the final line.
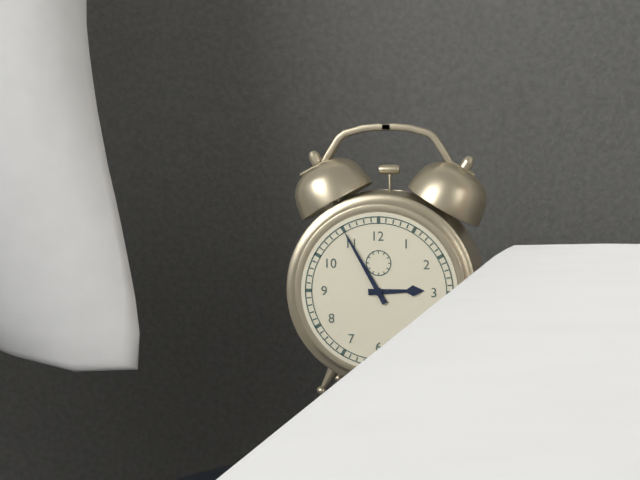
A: 2:55
